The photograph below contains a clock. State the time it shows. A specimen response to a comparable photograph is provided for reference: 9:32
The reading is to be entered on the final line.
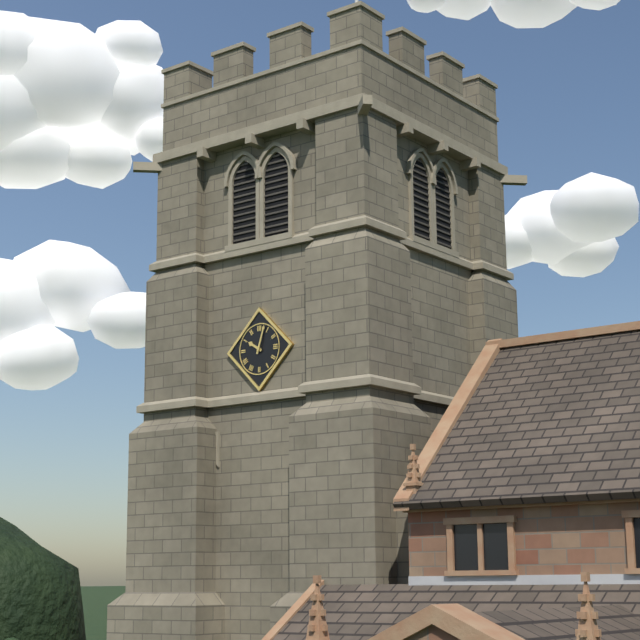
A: 10:03
